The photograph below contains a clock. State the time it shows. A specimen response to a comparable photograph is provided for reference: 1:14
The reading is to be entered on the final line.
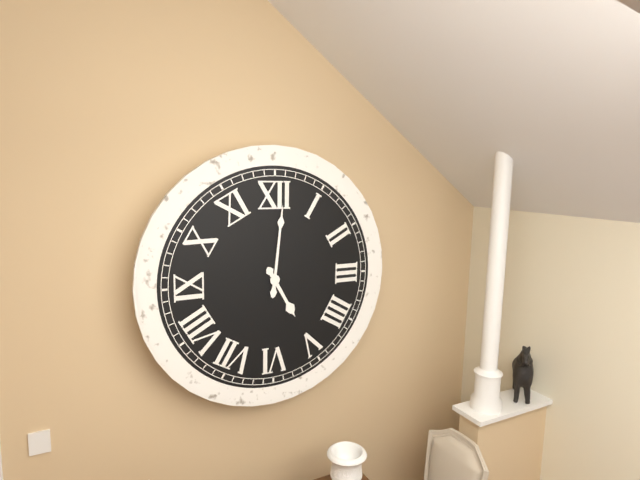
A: 5:01
